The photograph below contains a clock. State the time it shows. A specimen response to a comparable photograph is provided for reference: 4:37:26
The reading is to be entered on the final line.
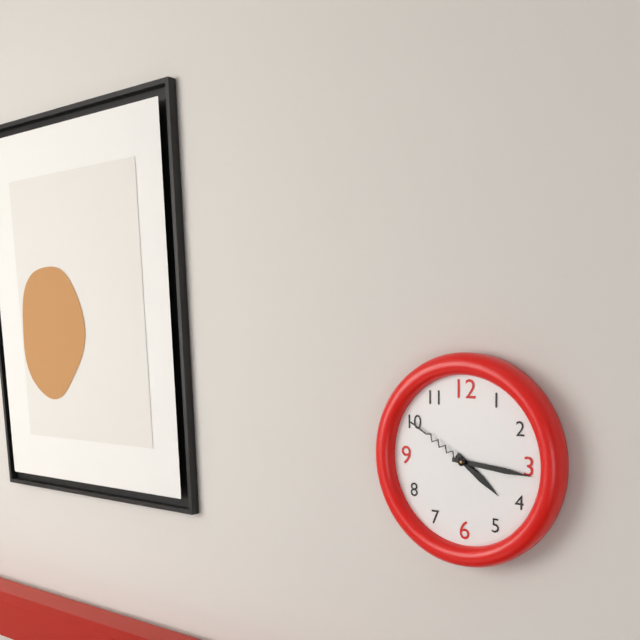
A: 4:16:50
